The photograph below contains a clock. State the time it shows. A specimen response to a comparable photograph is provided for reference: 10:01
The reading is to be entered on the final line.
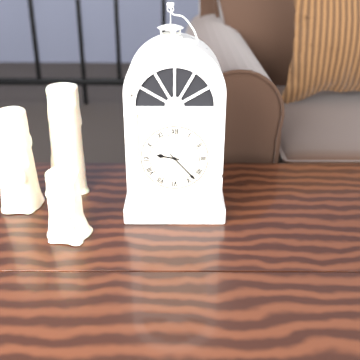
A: 9:23
